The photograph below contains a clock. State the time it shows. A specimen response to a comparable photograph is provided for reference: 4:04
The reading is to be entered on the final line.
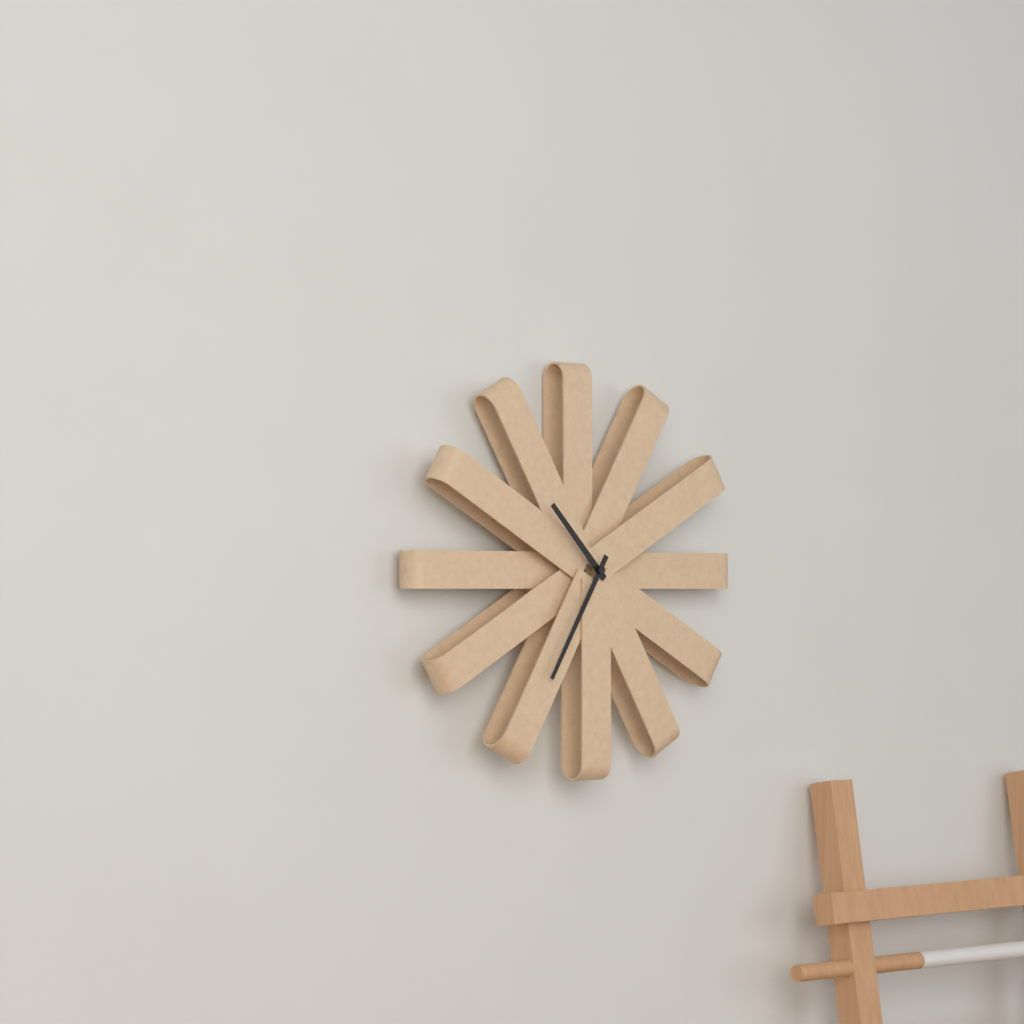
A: 10:35
